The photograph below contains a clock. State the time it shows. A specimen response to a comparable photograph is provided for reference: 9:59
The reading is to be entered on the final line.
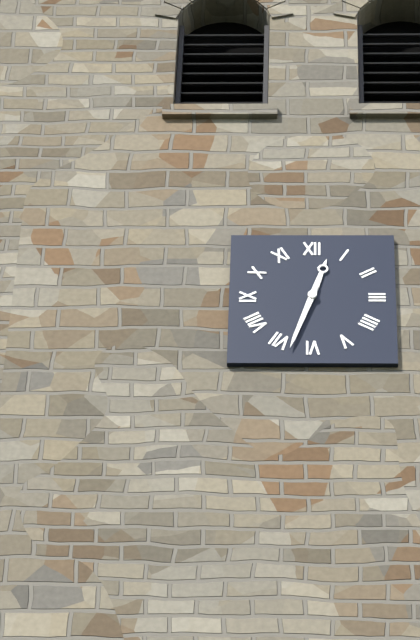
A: 12:33
